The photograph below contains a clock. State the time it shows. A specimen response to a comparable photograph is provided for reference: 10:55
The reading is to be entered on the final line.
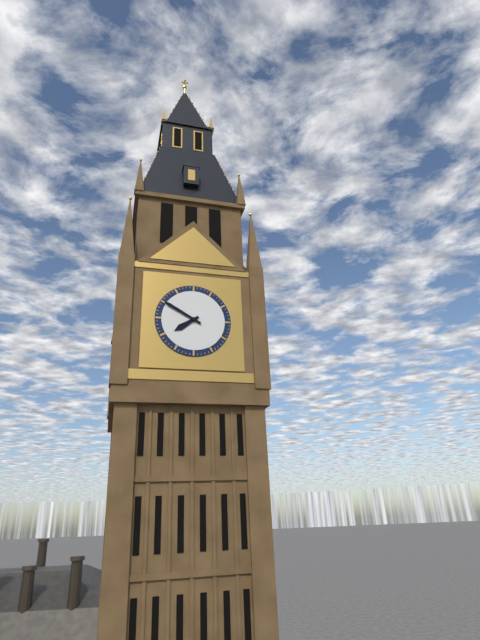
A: 7:50
